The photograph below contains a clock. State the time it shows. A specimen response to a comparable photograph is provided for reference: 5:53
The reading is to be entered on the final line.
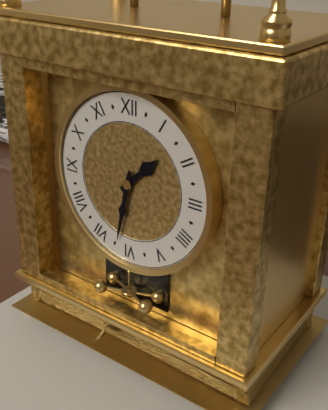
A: 1:32
